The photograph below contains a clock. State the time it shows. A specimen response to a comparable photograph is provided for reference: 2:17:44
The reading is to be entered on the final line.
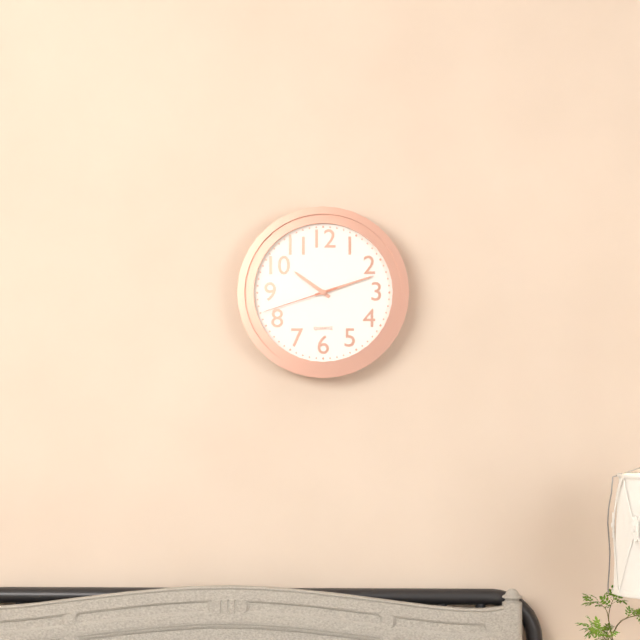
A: 10:12:42
